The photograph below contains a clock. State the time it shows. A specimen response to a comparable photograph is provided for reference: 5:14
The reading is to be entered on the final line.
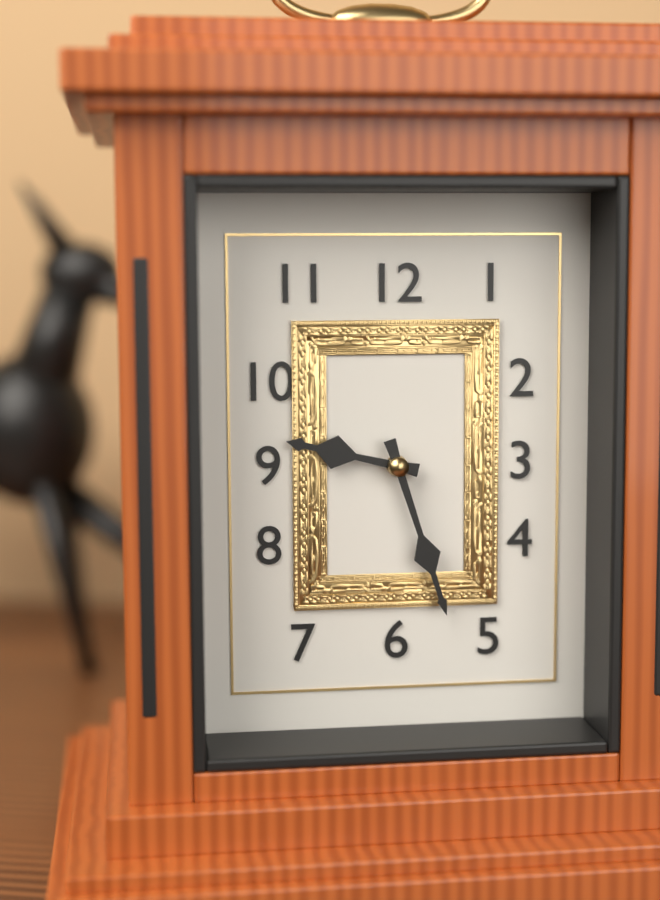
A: 9:27
